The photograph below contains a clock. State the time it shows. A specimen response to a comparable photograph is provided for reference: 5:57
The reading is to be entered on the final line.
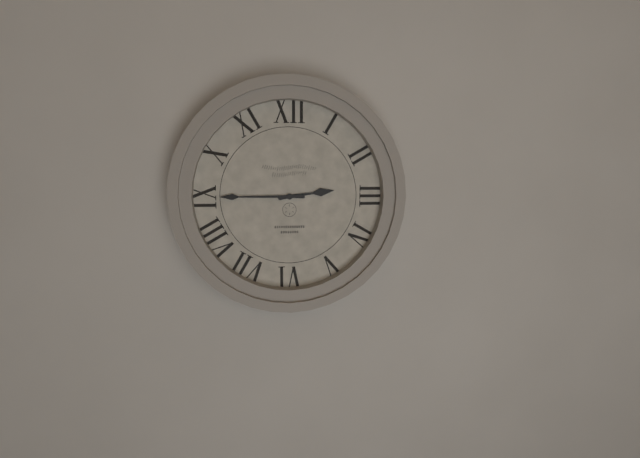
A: 2:45
